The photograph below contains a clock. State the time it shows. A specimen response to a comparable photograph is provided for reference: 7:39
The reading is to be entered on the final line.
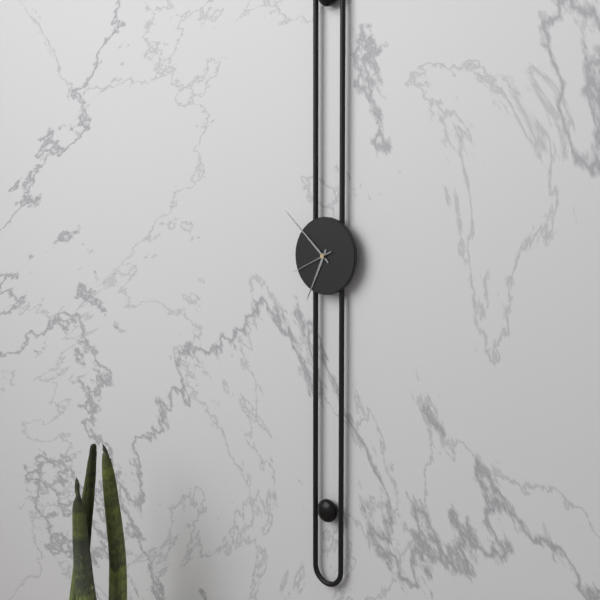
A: 6:52
